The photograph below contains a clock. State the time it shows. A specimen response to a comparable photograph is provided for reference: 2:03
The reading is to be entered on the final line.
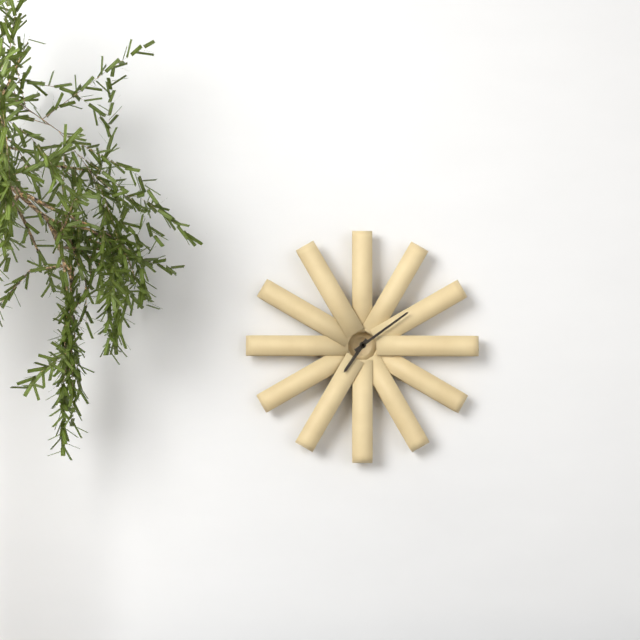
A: 7:09
